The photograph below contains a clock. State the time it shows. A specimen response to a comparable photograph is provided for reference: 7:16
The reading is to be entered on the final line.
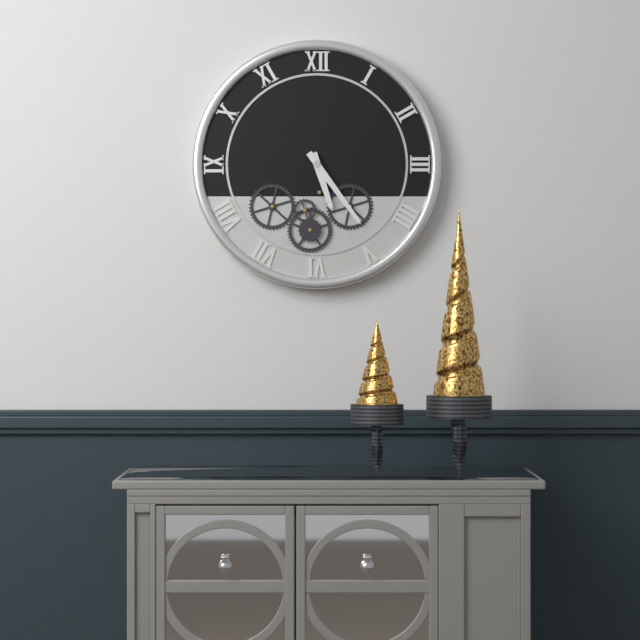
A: 5:24
